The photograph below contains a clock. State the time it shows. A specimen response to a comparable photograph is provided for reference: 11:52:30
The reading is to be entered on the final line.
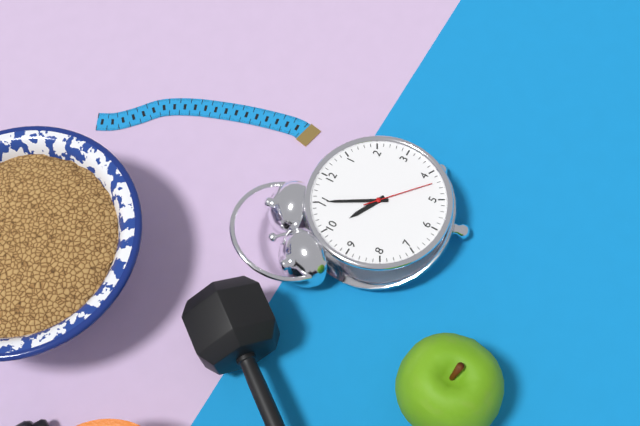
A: 9:55:22
